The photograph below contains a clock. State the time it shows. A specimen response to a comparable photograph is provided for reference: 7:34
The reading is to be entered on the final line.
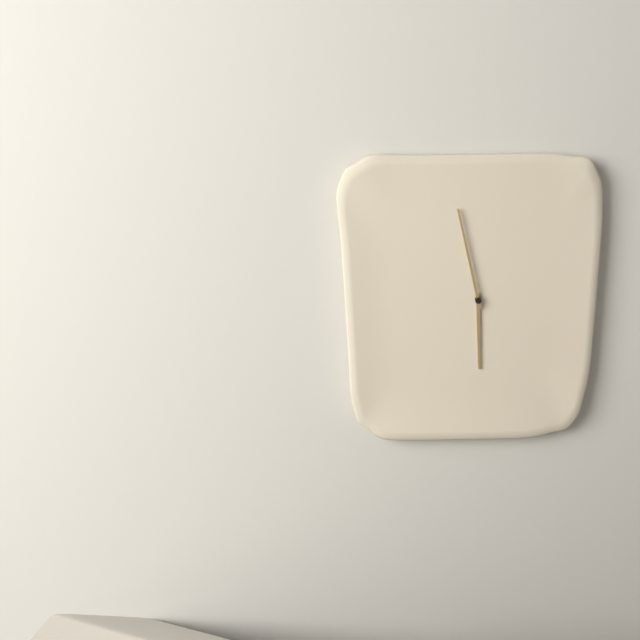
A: 5:58
